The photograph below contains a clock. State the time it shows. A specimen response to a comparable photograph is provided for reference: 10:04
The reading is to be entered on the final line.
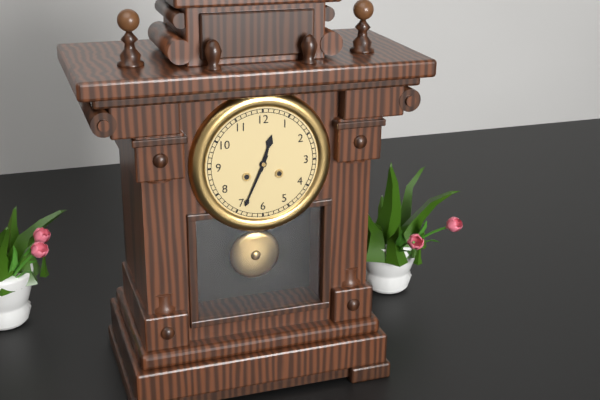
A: 12:34
